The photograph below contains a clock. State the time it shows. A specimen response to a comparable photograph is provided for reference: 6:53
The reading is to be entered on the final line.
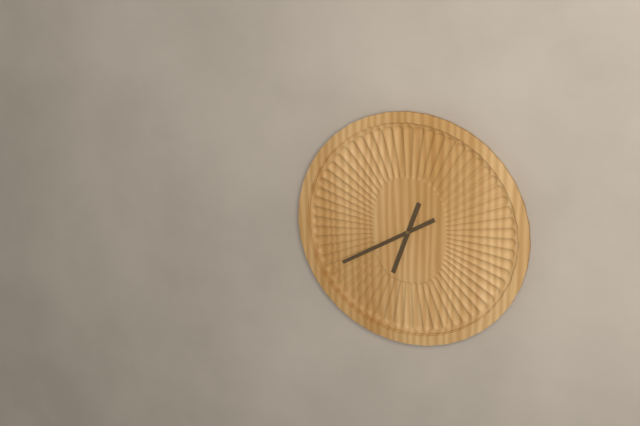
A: 6:40
